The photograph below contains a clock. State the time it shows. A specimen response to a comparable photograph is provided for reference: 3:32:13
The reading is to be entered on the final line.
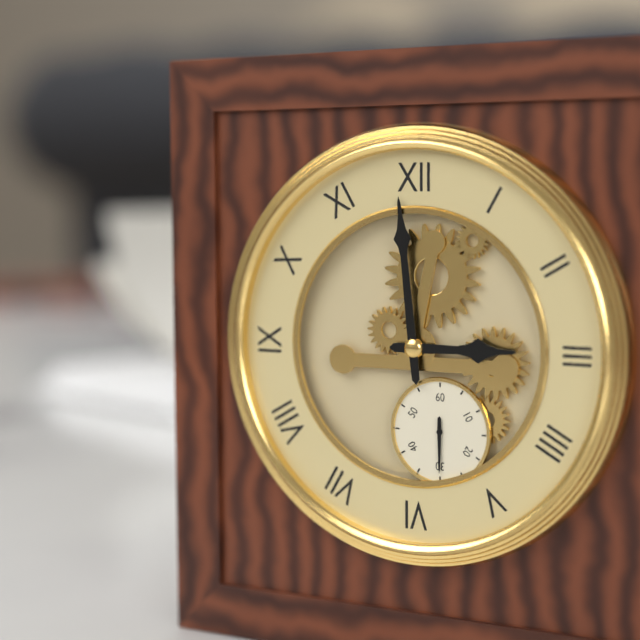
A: 2:59:30
